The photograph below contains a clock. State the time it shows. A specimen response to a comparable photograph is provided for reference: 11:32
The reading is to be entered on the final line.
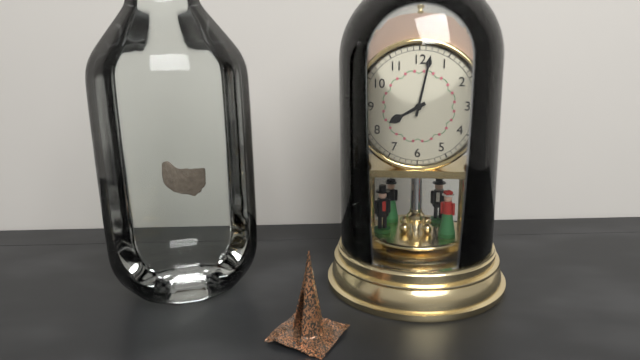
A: 8:02
